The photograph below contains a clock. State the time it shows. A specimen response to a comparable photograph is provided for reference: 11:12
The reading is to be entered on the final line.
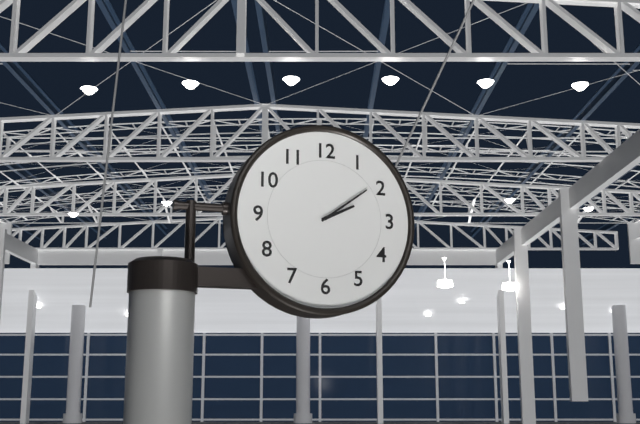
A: 2:09
